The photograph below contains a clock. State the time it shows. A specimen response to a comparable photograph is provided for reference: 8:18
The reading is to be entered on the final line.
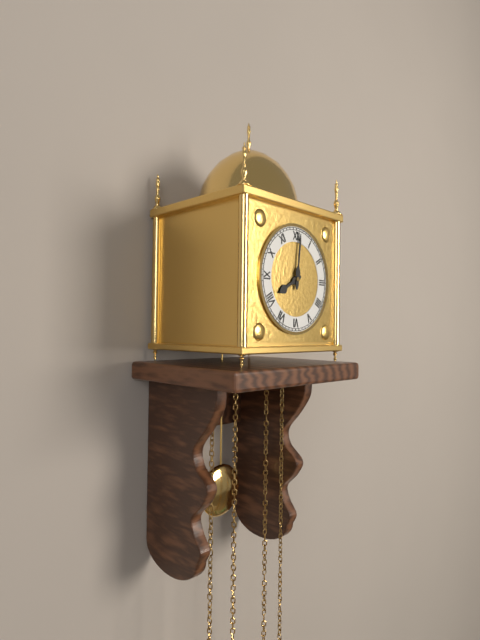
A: 8:01
